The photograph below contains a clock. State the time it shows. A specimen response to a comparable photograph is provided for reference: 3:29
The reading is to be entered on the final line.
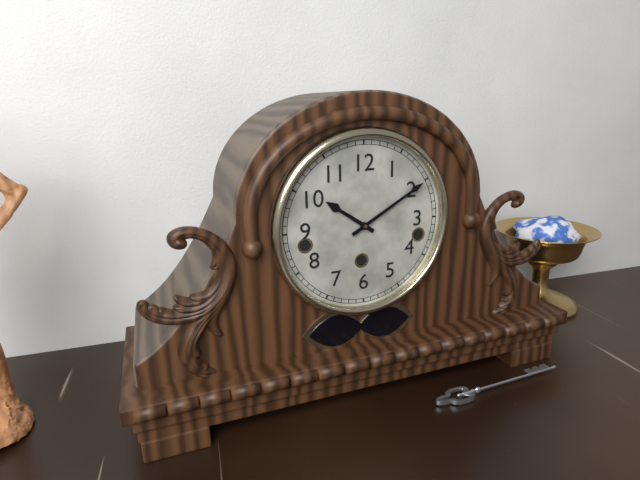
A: 10:10
